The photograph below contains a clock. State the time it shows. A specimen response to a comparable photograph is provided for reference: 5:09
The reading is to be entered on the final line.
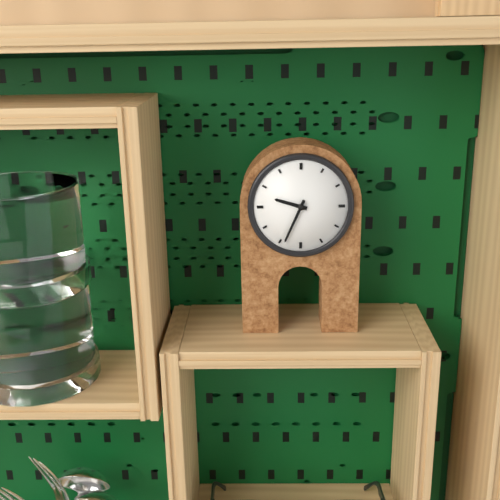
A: 9:34
